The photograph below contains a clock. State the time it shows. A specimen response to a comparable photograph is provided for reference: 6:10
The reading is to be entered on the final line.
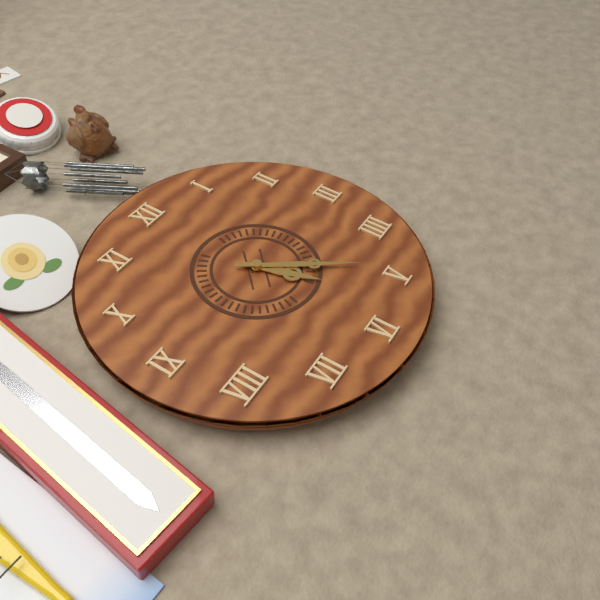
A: 5:24
